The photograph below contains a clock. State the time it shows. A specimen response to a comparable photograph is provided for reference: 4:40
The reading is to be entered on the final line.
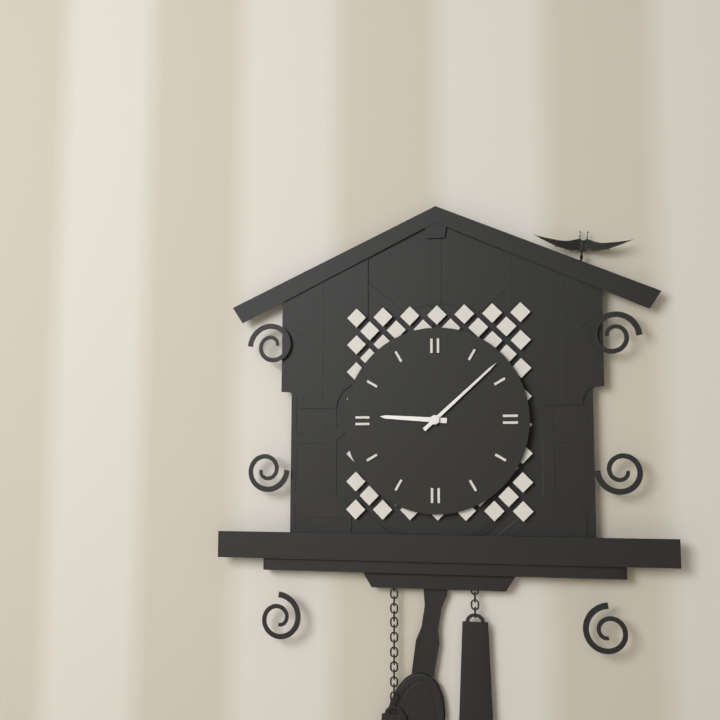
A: 9:08
